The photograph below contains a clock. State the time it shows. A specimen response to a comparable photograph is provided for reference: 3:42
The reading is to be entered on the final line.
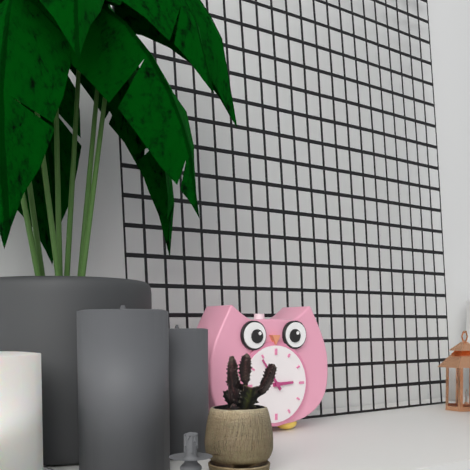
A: 2:54
